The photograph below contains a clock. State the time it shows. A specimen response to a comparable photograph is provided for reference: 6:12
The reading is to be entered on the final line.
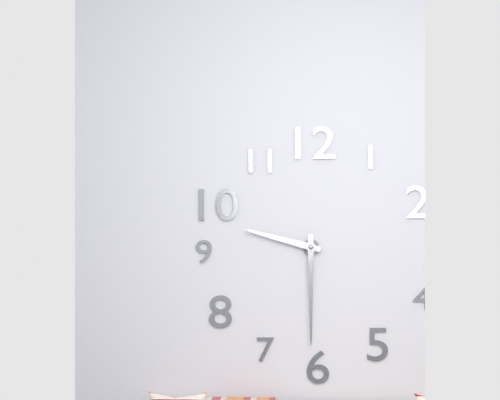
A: 9:30
